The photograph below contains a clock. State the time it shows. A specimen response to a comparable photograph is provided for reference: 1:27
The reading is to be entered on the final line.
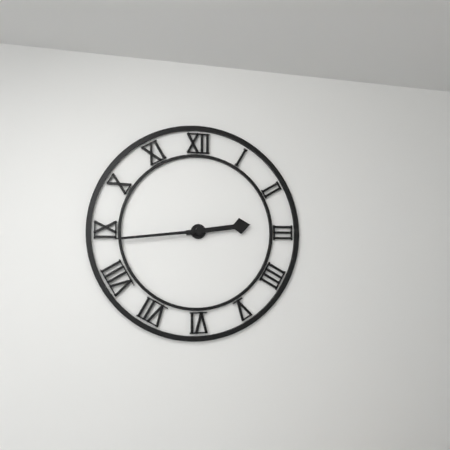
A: 2:44
